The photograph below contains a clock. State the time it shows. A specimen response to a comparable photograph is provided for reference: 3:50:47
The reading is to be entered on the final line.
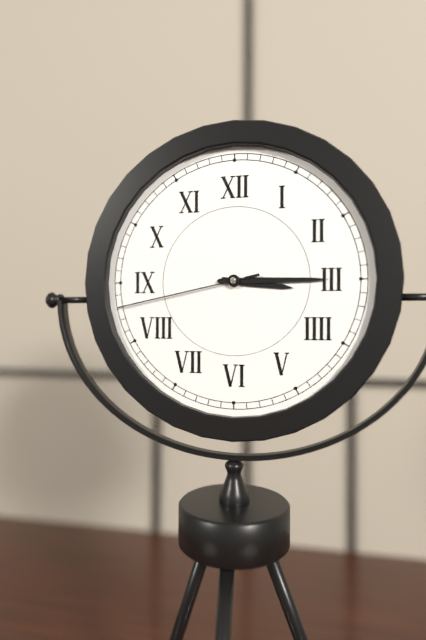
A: 3:15:43
